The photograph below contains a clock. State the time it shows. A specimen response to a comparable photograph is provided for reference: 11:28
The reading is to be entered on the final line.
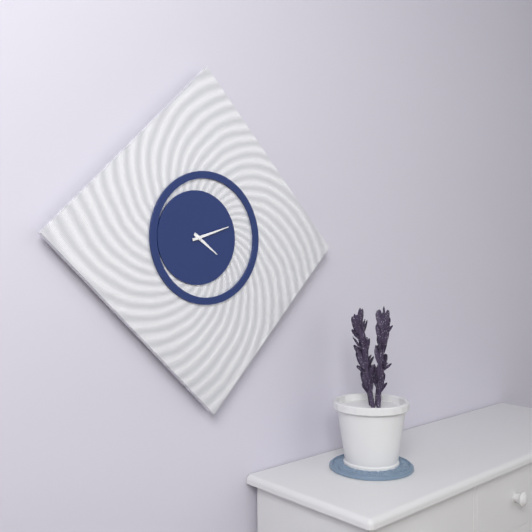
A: 4:12
